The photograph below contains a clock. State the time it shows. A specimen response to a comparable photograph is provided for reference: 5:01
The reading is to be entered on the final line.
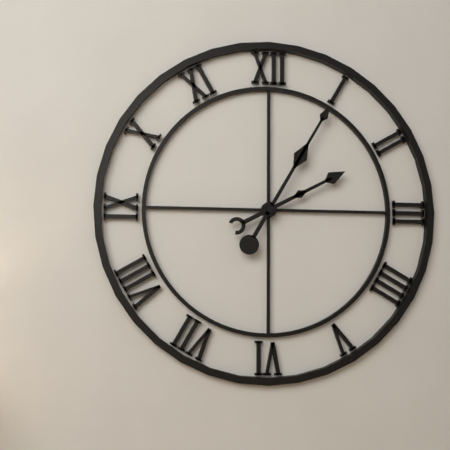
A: 2:05
